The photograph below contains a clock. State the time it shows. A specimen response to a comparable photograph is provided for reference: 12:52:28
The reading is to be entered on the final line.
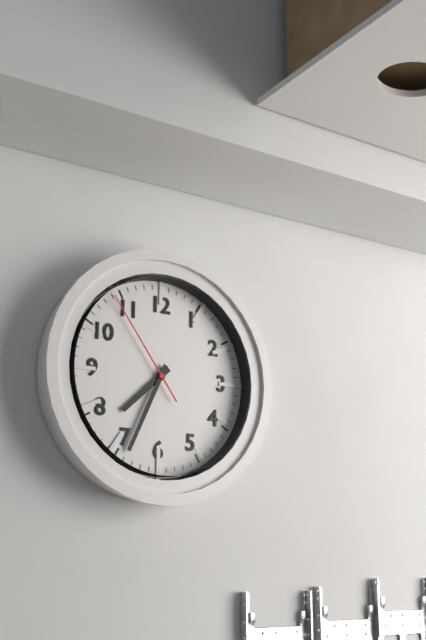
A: 7:34:54
